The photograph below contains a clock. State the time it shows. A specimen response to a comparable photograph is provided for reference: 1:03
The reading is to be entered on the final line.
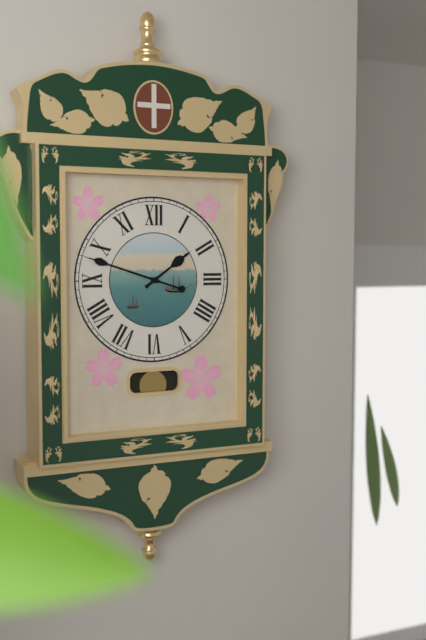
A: 1:48
